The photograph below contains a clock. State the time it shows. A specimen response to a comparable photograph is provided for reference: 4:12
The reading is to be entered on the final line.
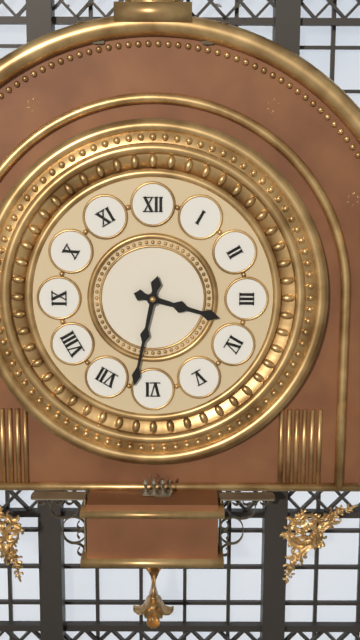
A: 3:32
